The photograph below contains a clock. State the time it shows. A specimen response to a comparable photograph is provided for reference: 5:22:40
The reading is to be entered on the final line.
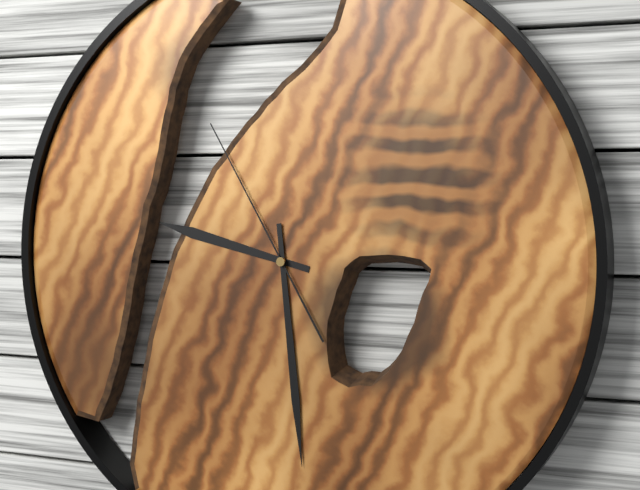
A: 9:29:55
